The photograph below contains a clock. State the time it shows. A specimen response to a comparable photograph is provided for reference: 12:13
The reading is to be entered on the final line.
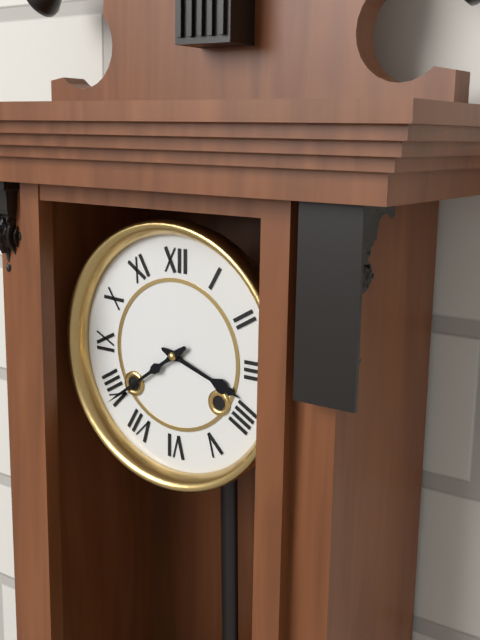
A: 3:39
